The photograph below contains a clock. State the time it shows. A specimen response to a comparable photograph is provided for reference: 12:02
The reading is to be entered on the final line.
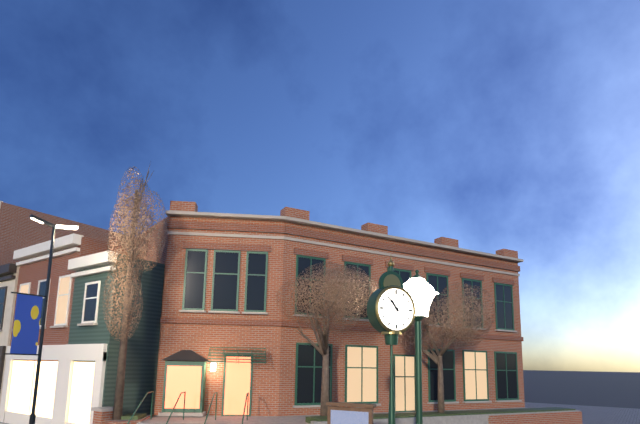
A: 10:53
